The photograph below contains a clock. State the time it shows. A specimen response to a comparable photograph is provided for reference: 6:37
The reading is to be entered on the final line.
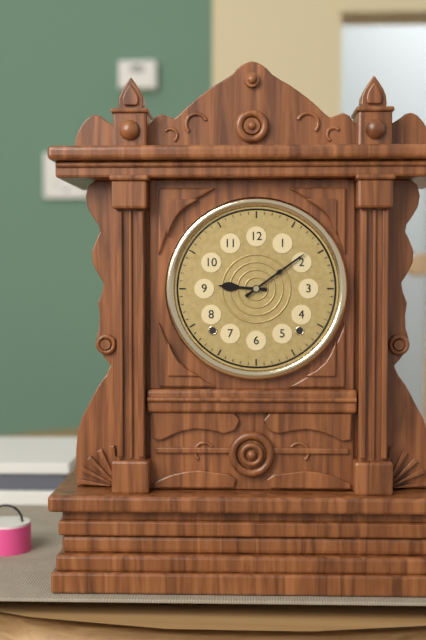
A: 9:09
